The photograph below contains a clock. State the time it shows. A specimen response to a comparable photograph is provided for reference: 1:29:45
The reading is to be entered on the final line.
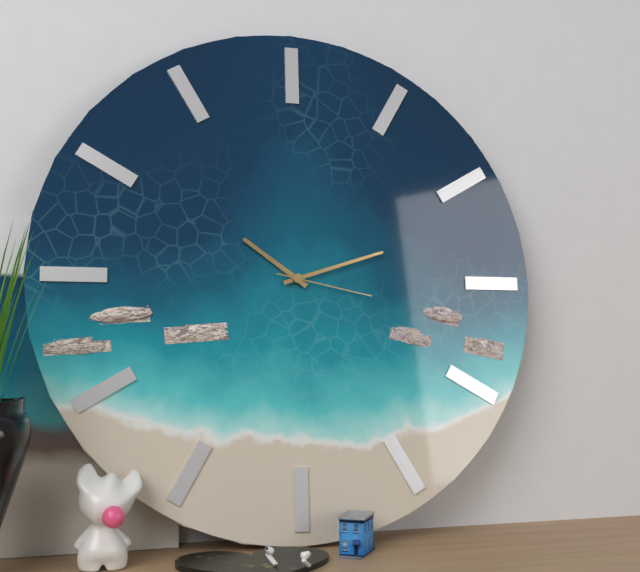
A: 10:12:17
